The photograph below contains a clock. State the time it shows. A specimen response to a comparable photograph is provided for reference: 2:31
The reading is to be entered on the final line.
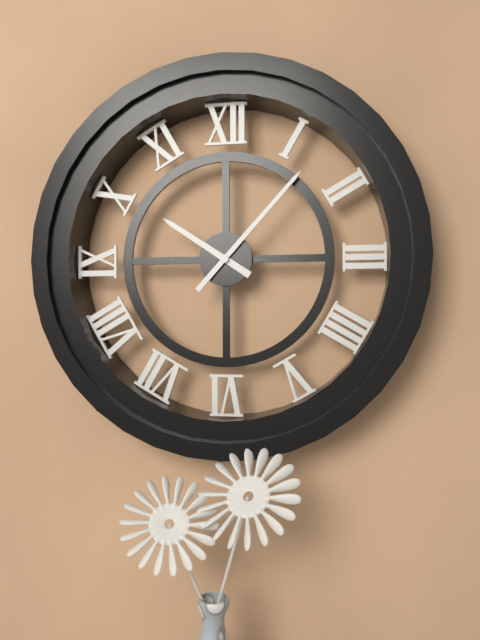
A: 10:07
